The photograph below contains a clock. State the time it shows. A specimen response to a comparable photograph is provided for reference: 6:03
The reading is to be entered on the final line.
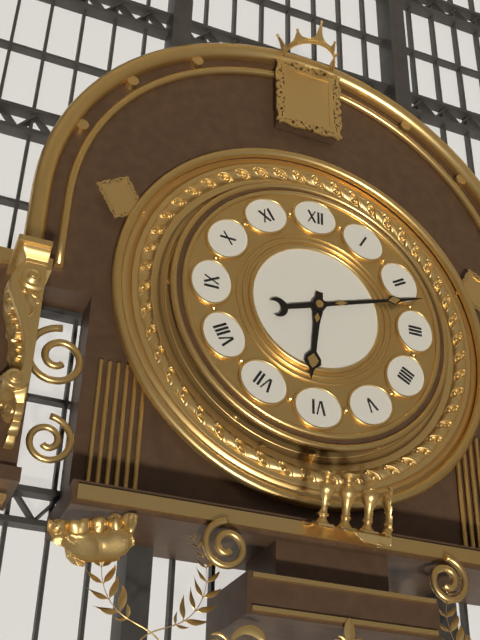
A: 6:12
